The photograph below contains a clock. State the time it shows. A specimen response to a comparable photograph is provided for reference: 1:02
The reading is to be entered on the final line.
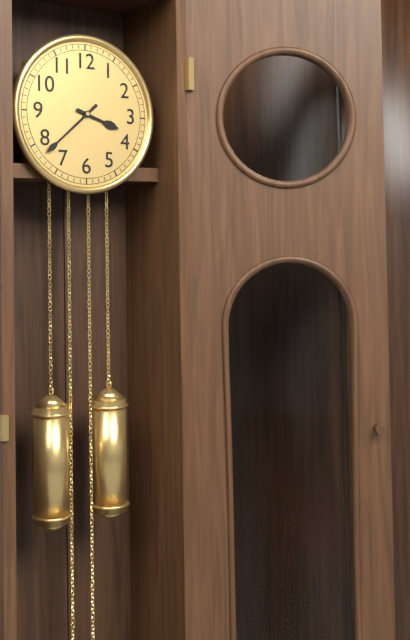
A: 3:38
